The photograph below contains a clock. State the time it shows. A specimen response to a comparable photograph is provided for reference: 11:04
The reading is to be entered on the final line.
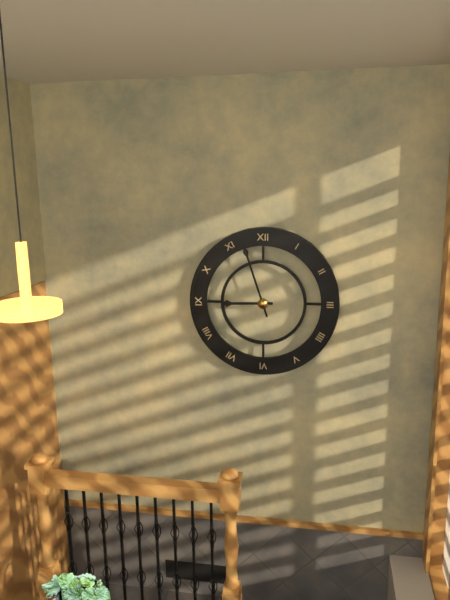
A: 8:57
